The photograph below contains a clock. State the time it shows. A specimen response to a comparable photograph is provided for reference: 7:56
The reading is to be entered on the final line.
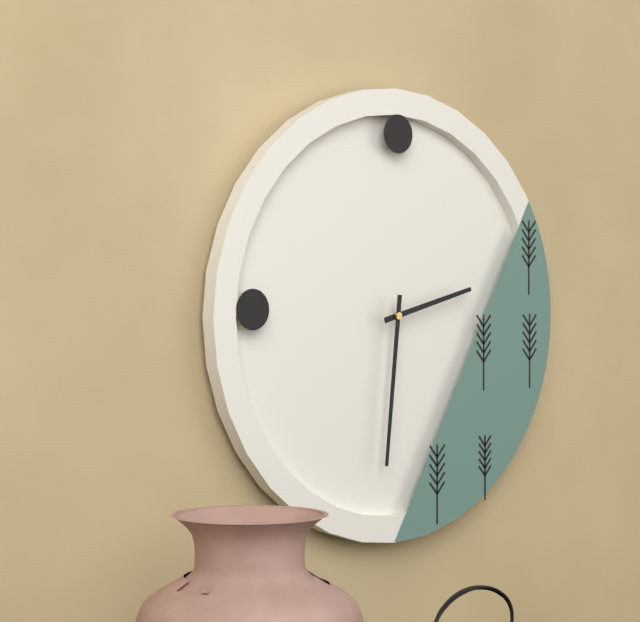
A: 2:31
